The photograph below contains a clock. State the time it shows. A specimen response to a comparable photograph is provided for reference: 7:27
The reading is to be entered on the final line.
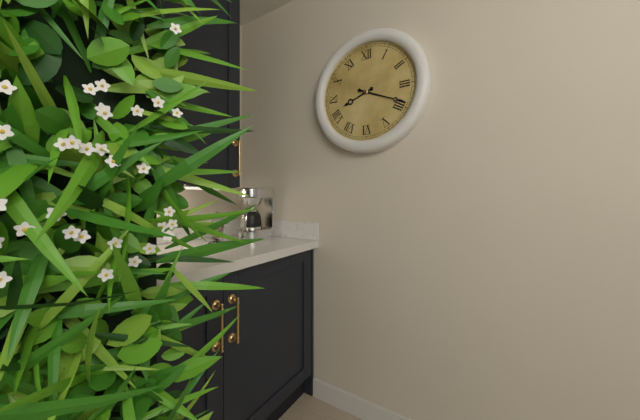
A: 8:19
